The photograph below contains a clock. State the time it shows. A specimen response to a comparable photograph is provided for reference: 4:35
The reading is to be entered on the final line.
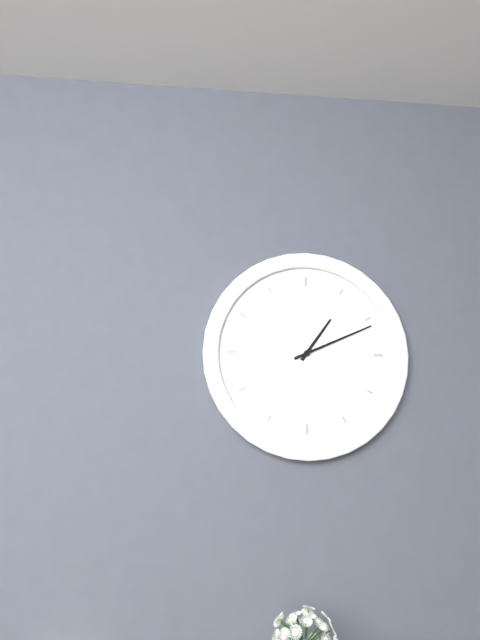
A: 1:11
